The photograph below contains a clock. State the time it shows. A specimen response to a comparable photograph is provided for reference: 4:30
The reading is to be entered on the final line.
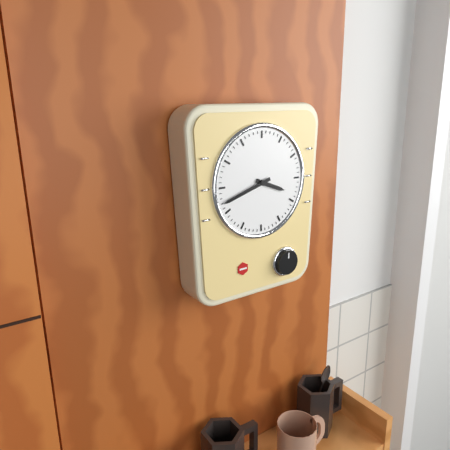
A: 3:42
